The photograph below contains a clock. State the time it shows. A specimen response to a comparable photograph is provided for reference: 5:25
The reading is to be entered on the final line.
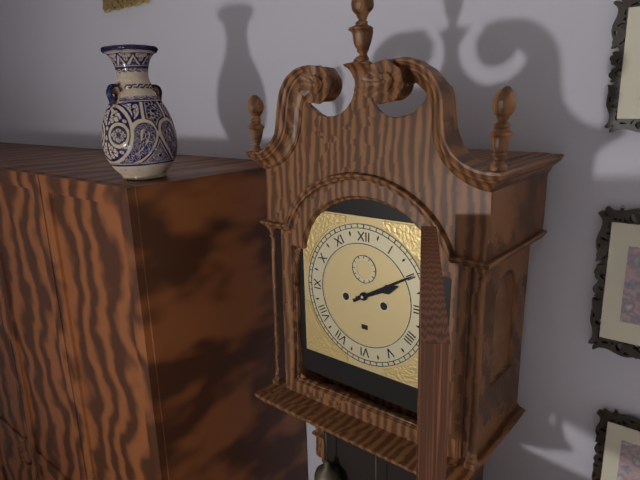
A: 2:10
